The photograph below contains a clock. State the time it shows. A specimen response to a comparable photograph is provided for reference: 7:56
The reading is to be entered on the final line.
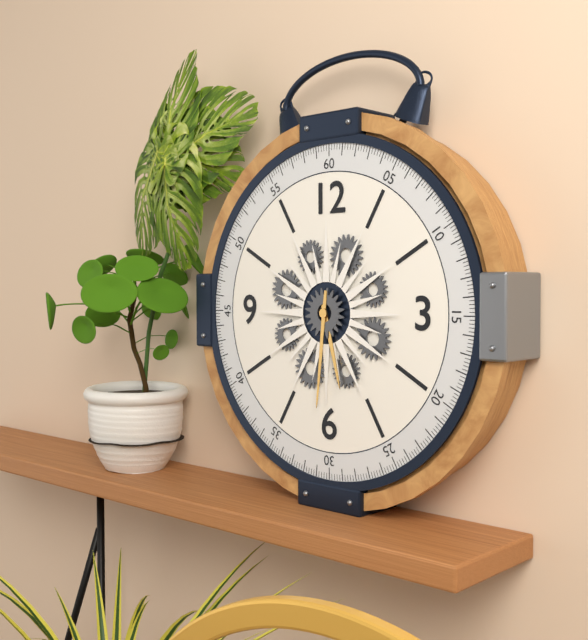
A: 5:31
